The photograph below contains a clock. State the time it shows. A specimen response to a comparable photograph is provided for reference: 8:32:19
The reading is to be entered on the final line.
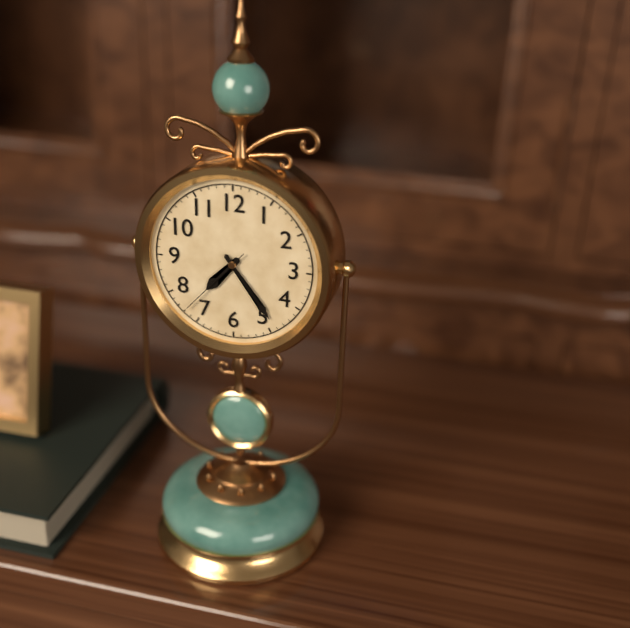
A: 7:24:37
